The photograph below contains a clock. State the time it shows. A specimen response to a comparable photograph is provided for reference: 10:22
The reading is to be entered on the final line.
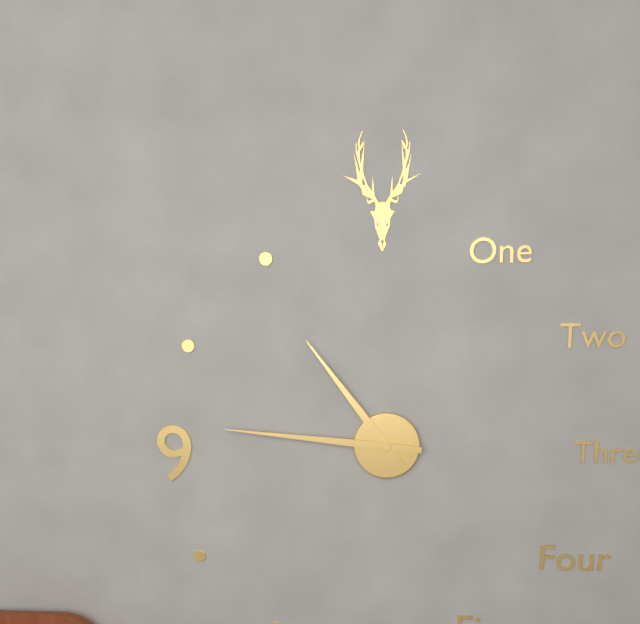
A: 10:46
